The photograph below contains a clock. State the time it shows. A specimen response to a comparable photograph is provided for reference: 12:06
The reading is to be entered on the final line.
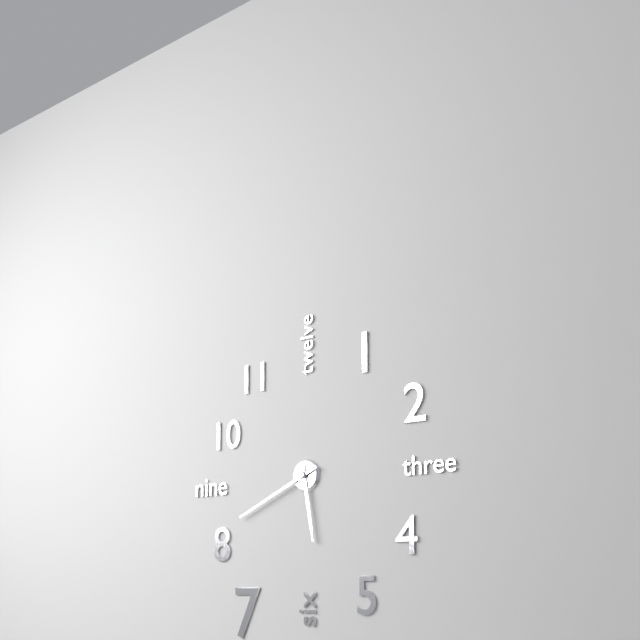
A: 5:41
